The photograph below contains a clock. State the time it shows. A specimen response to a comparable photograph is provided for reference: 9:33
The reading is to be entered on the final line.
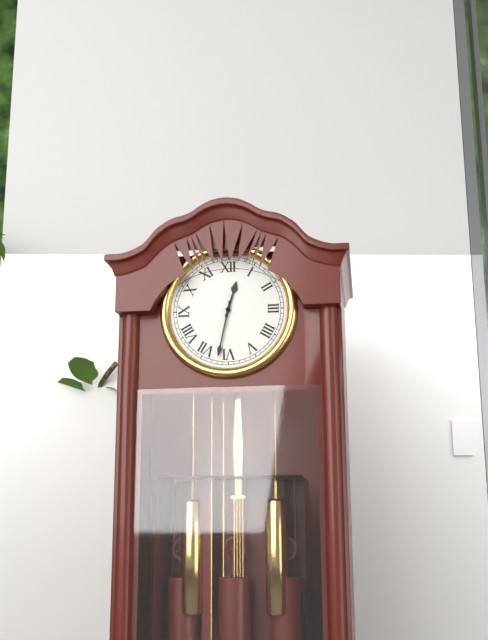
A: 12:32
